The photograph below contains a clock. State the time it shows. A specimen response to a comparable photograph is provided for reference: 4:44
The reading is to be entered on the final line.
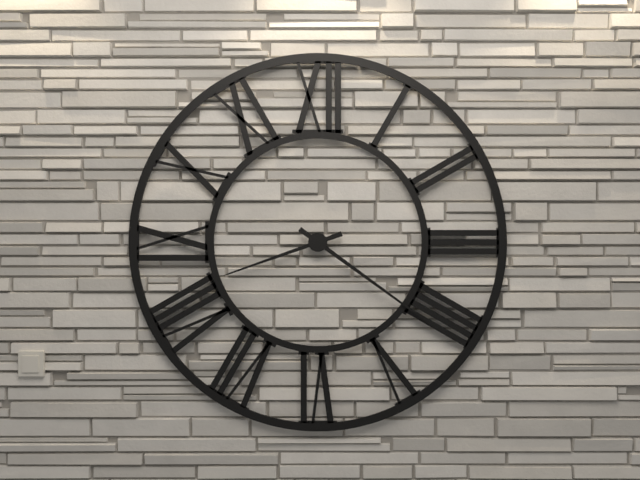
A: 8:21
